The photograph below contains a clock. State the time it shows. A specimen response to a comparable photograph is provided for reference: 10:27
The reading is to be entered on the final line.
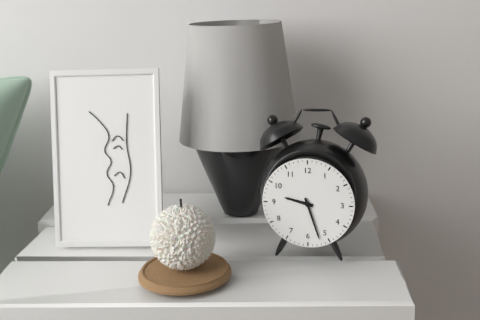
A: 9:27
